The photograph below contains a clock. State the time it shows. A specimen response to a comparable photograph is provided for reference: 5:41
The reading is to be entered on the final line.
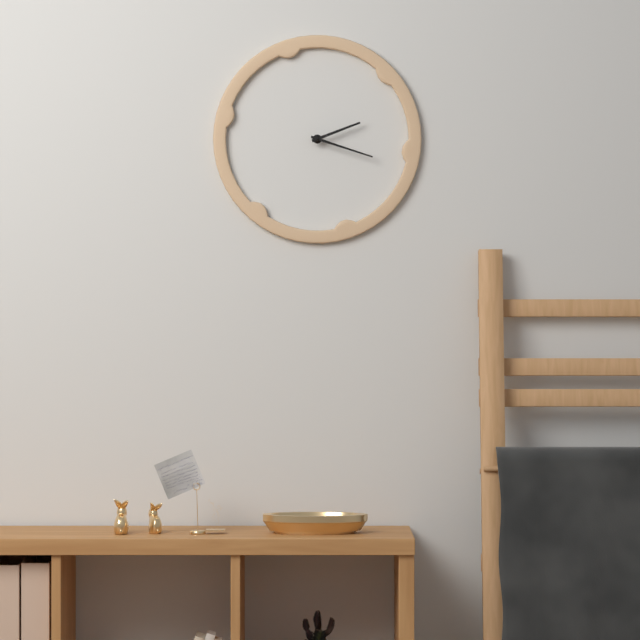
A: 2:18
